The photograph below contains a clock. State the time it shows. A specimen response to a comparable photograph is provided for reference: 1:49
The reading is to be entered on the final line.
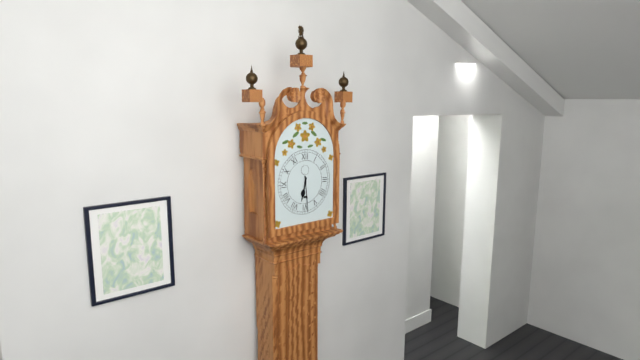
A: 6:29
